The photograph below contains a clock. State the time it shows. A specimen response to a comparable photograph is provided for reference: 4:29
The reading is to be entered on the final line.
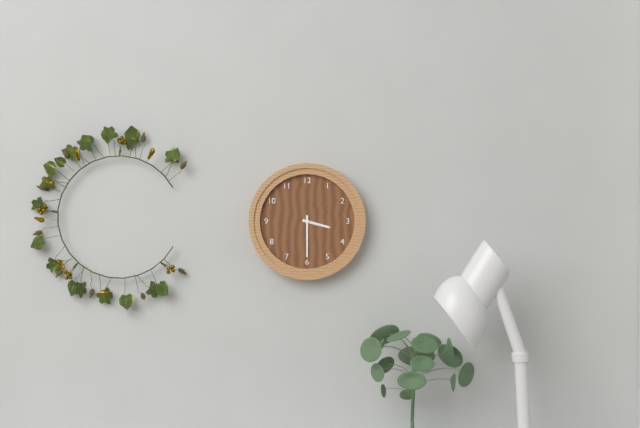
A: 3:30
